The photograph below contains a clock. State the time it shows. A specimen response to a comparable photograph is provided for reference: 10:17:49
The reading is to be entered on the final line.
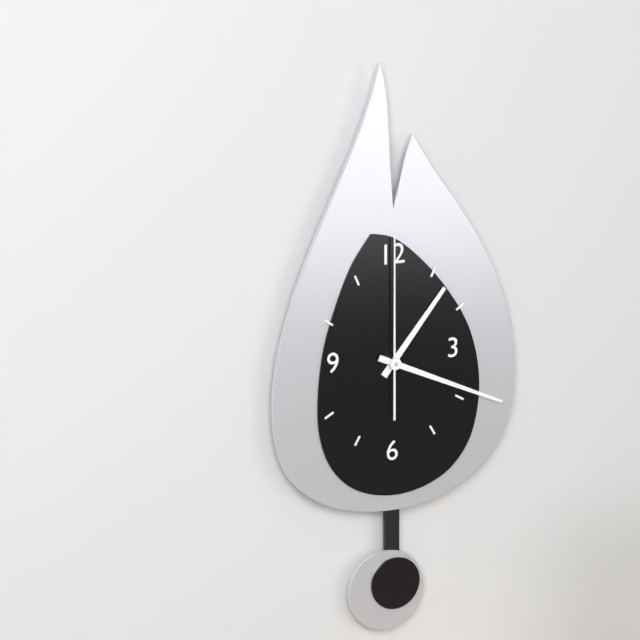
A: 1:19:00
